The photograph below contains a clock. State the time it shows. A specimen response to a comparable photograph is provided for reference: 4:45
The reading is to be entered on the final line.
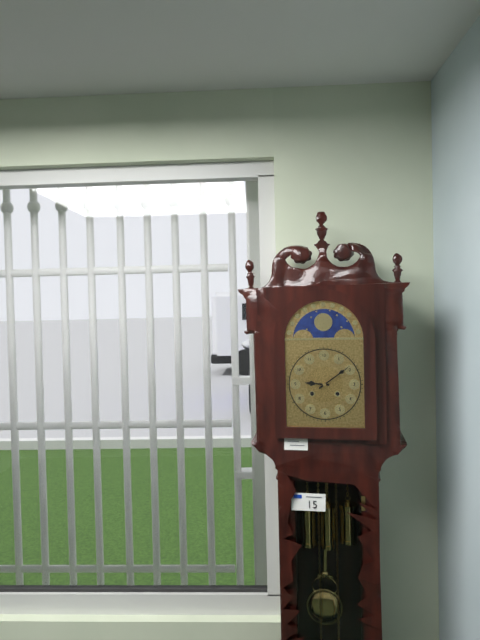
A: 9:09
